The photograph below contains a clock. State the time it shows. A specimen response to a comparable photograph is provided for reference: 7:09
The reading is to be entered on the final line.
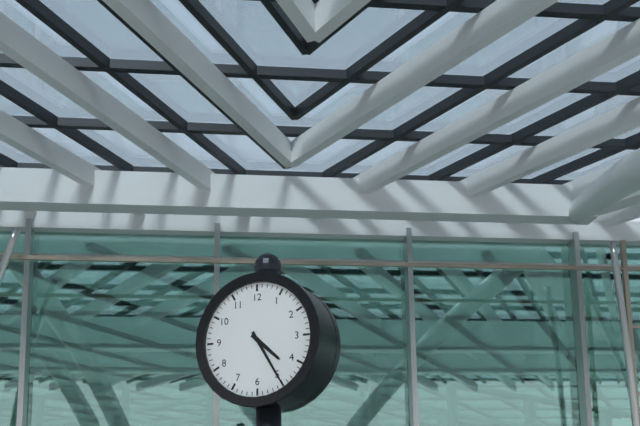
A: 4:25
